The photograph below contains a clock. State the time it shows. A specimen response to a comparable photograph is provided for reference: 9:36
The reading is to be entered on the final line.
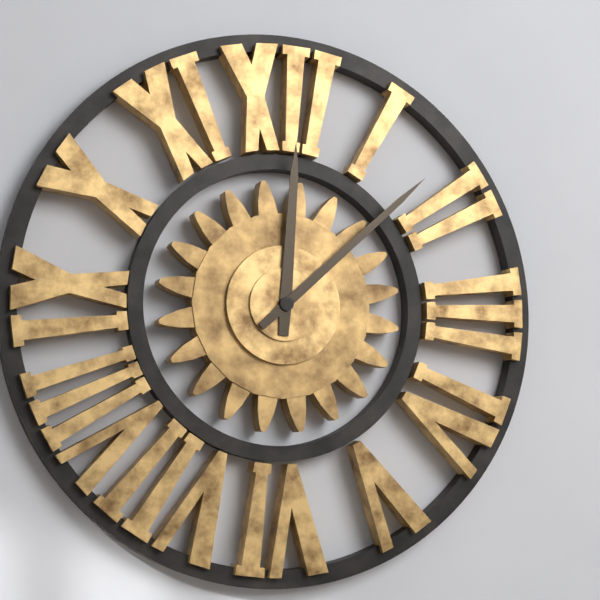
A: 12:08
